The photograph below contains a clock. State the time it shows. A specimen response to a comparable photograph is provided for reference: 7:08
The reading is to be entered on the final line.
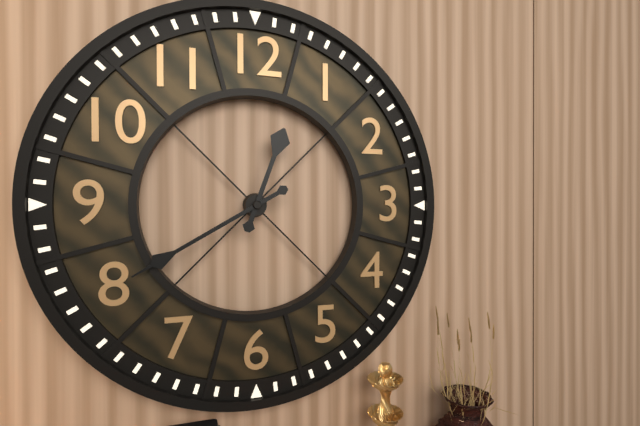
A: 12:40
